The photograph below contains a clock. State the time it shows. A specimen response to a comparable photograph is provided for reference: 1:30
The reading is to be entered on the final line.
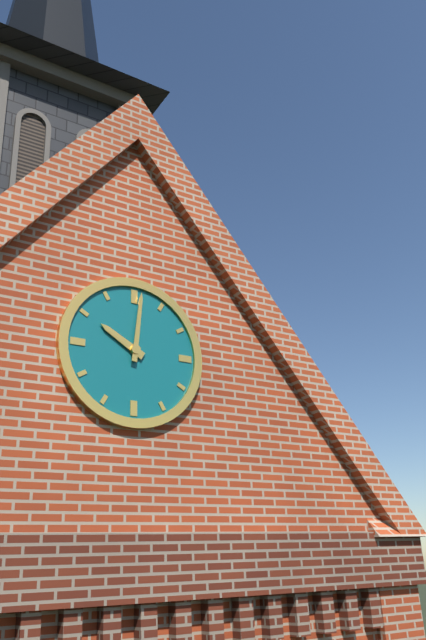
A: 10:01
